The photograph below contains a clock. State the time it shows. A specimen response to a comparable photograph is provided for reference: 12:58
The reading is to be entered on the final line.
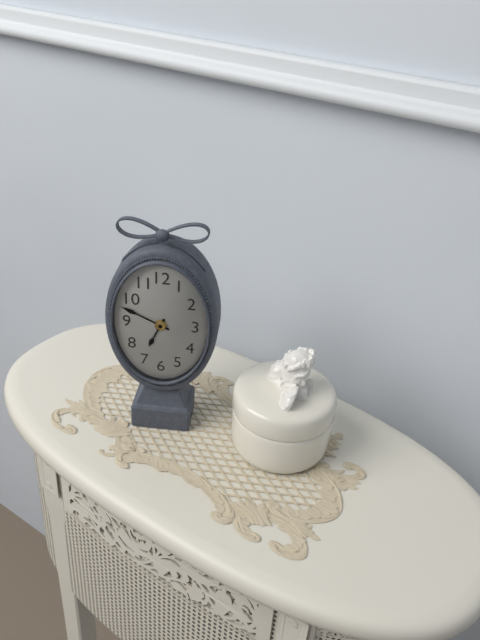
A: 6:49
